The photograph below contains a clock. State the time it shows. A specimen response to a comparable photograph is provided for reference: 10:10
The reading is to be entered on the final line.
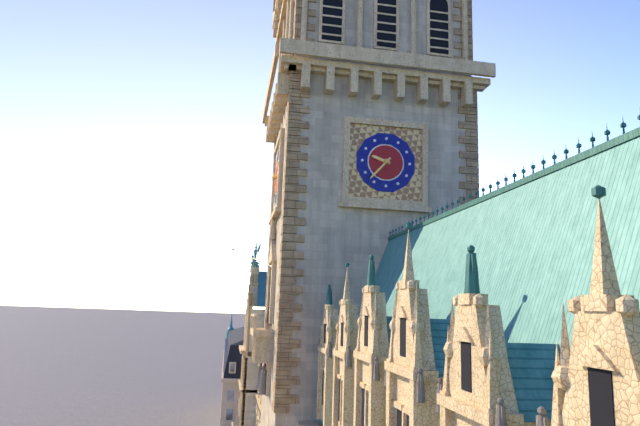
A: 9:37
